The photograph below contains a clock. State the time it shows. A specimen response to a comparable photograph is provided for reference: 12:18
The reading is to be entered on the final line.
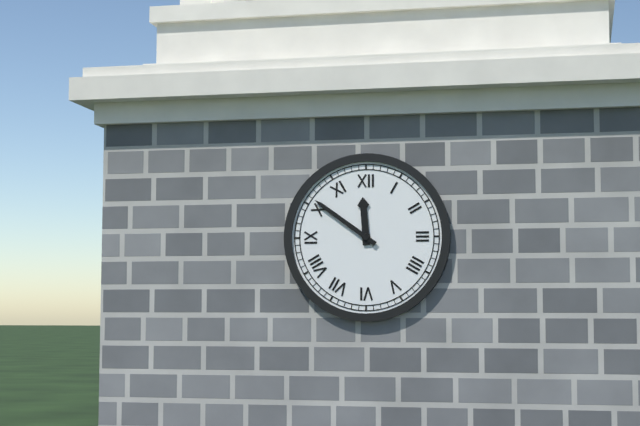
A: 11:51
